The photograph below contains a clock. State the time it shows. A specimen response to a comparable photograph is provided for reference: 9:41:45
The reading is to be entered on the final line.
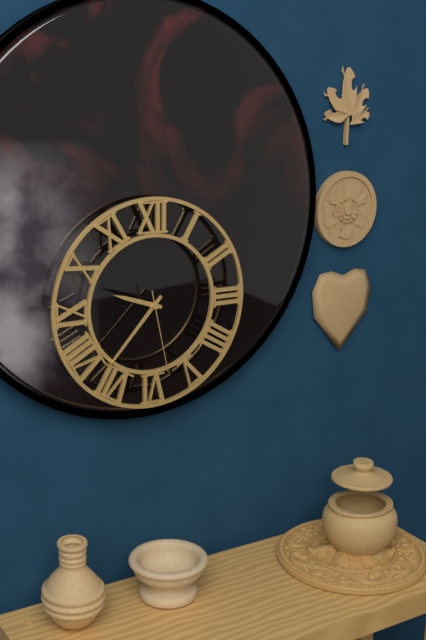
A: 9:37:28
